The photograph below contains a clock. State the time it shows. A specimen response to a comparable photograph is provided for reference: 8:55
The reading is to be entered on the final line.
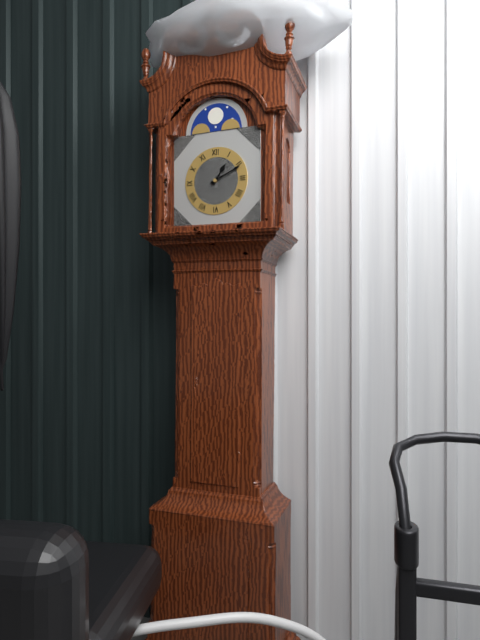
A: 1:11
